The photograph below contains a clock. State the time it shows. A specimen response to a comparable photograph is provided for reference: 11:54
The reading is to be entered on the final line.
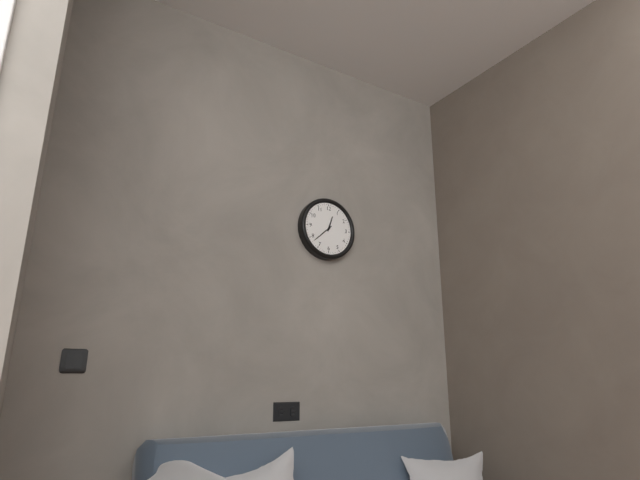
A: 12:38
